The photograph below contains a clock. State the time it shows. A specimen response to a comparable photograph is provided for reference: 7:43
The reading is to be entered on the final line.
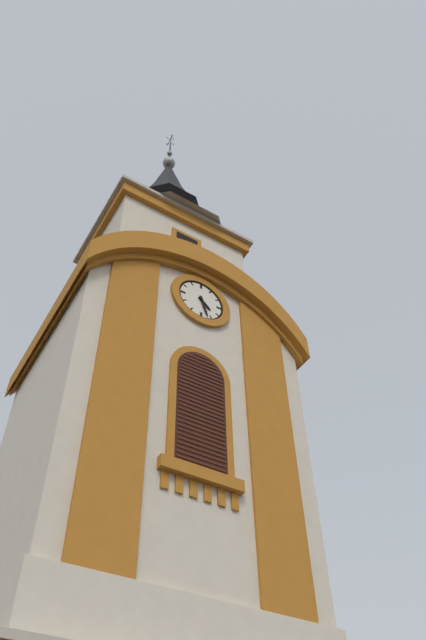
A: 4:27
